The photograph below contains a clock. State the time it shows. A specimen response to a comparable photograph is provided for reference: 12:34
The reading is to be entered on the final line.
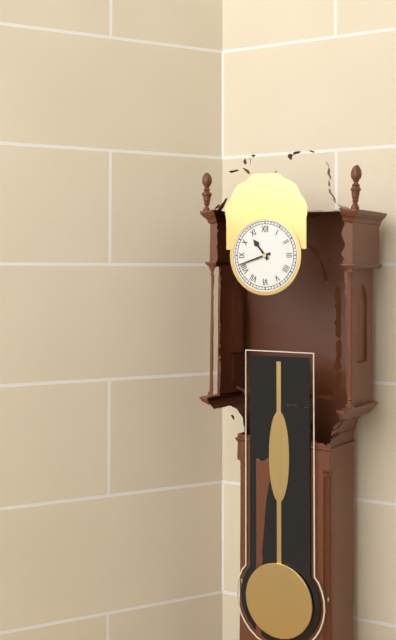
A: 10:42
